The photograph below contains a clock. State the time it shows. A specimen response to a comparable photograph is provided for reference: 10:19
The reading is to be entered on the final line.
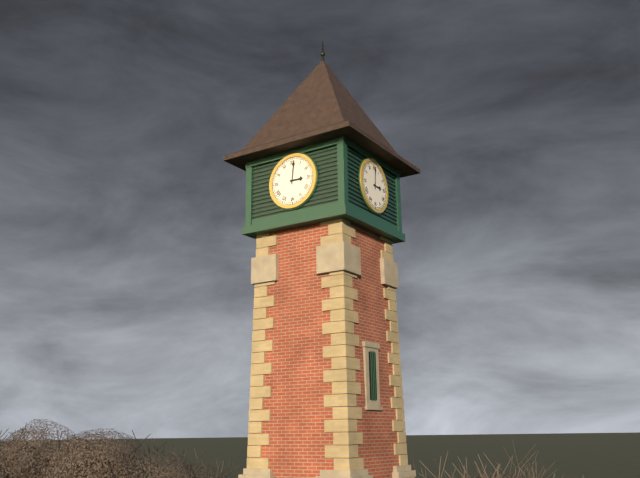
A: 3:01
